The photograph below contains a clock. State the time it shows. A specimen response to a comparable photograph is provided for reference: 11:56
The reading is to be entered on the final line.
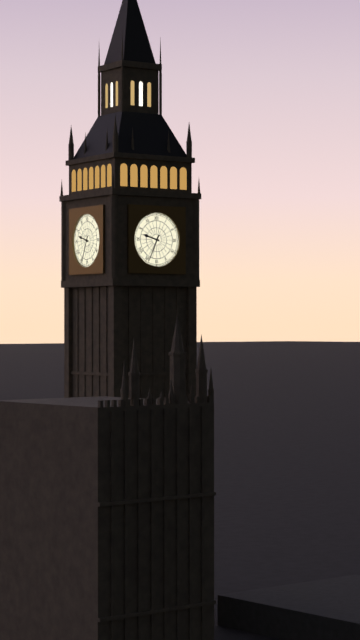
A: 9:34
